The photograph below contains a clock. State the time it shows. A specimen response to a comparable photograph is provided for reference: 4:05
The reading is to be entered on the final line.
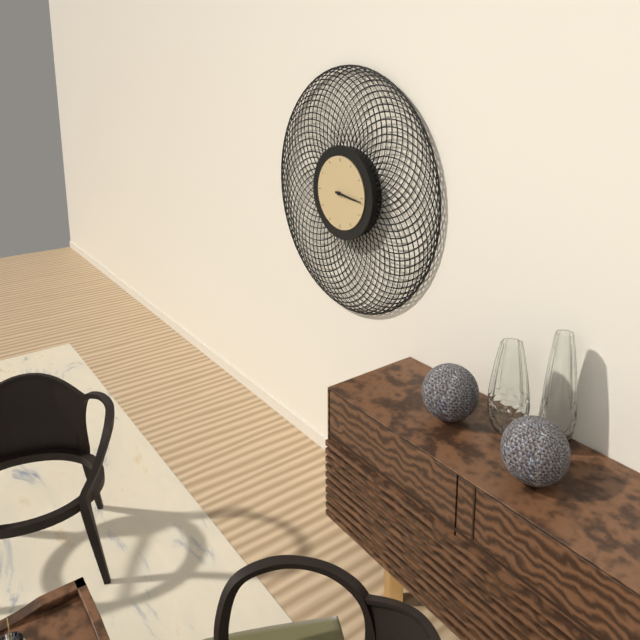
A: 3:16
